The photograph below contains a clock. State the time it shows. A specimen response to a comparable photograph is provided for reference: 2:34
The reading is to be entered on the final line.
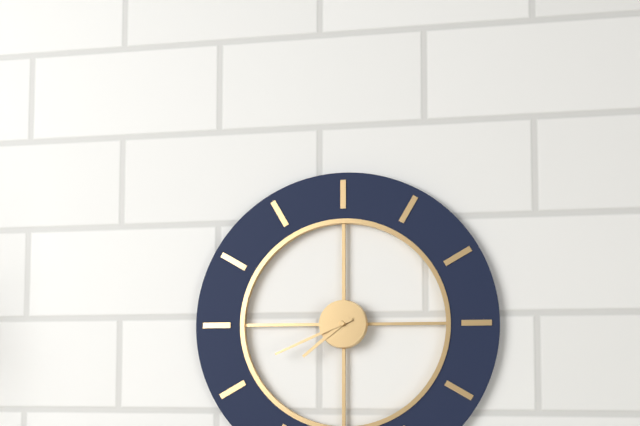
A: 7:41
